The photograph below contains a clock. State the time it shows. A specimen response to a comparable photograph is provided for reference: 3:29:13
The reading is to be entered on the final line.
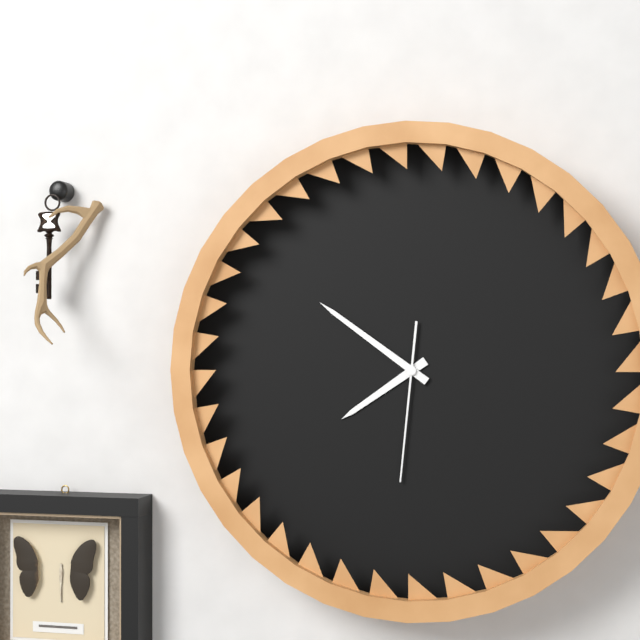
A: 7:51:31
